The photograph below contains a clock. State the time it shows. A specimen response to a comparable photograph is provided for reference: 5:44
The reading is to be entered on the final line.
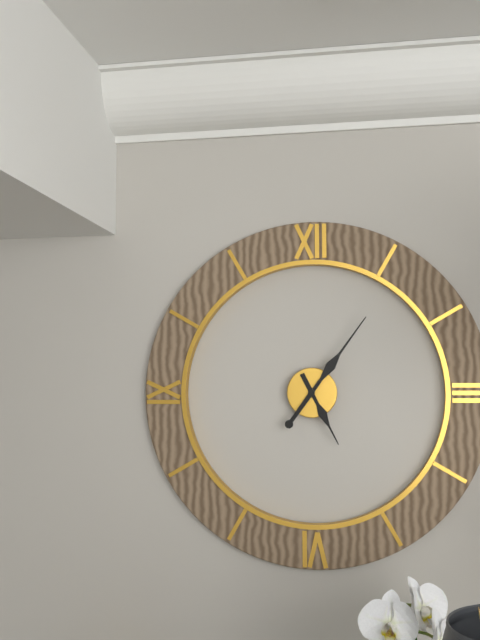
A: 5:06
